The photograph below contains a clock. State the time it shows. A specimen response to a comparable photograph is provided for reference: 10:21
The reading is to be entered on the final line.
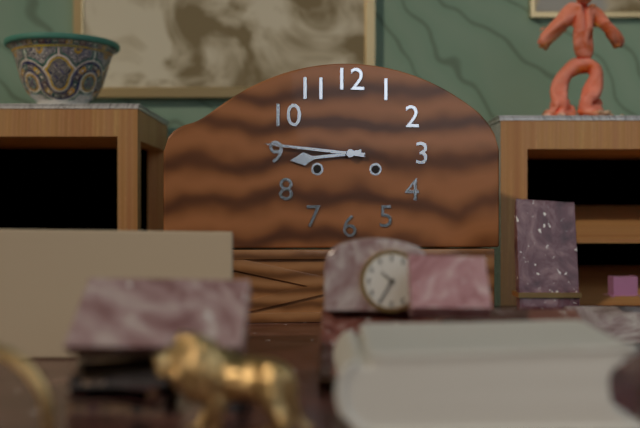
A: 8:46
